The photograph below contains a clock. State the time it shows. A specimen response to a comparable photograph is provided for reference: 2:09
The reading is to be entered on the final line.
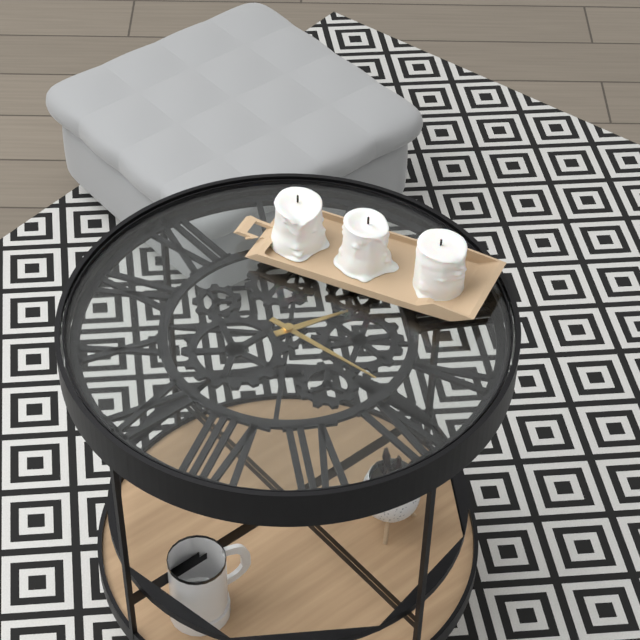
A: 3:28
